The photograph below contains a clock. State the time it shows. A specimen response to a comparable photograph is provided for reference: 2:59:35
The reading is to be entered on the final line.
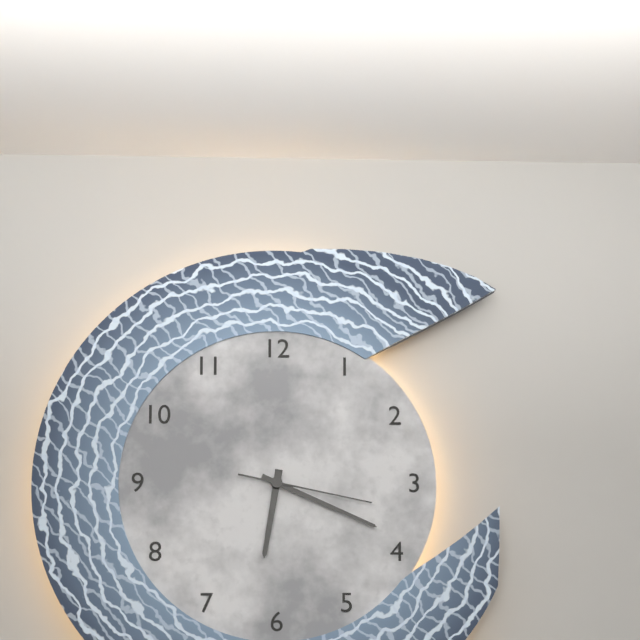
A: 6:19:17
